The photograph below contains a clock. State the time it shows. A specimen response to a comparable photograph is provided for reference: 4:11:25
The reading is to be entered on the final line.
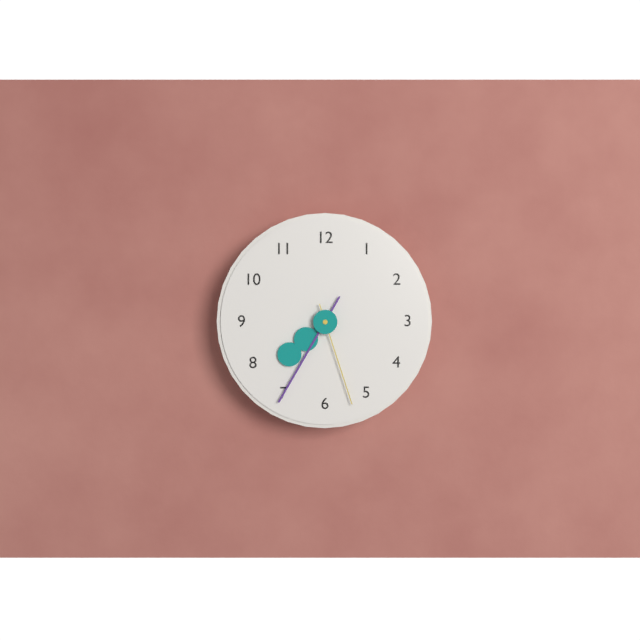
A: 7:35:27
